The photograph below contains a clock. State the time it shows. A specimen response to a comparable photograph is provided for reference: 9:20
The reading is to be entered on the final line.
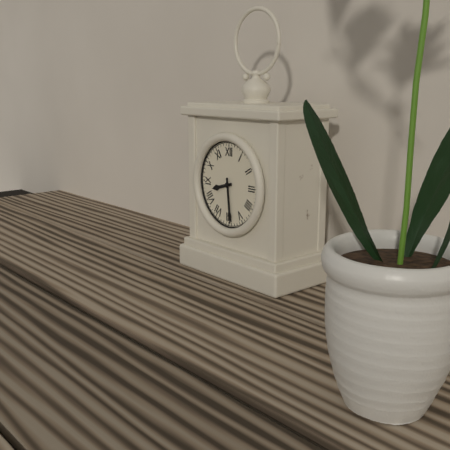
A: 8:29
